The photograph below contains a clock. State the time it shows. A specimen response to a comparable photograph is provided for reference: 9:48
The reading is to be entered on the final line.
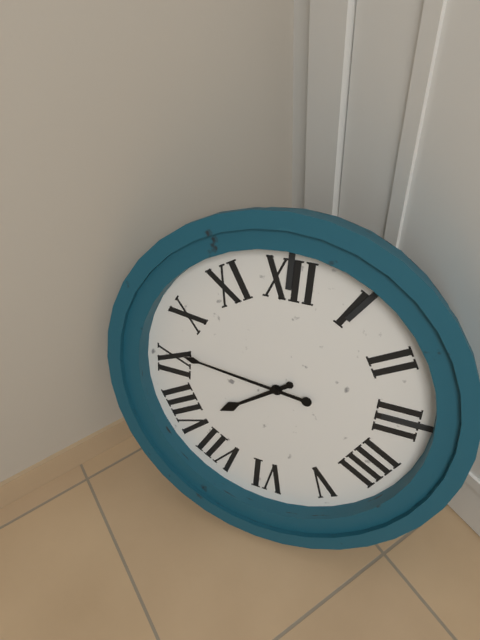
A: 7:46
